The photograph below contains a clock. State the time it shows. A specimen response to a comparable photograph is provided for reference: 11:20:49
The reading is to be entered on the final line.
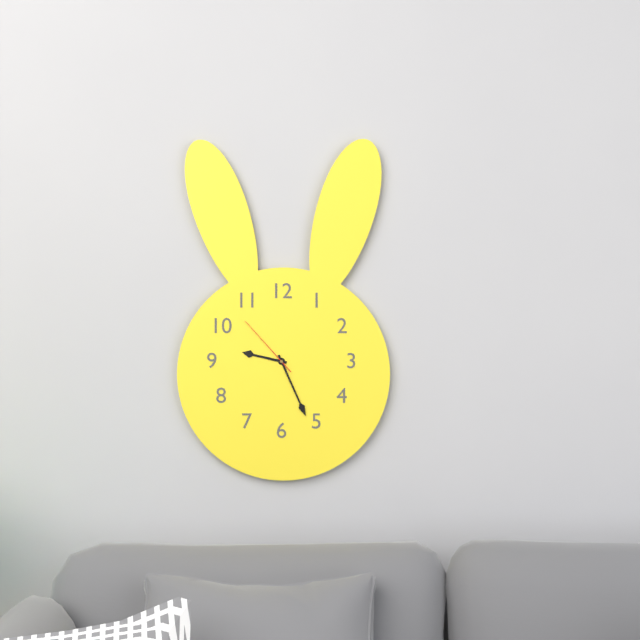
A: 9:26:53
